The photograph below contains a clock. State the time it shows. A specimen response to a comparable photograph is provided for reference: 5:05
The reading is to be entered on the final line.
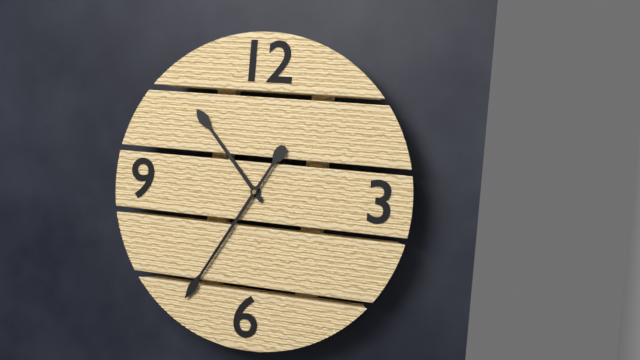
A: 10:35
